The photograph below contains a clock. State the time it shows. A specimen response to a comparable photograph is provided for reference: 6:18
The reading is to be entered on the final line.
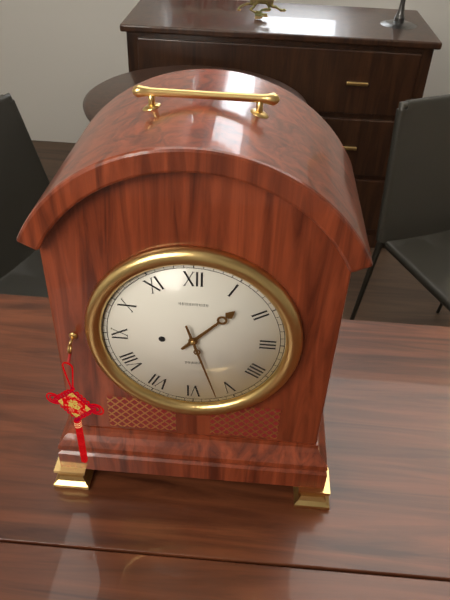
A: 1:27
